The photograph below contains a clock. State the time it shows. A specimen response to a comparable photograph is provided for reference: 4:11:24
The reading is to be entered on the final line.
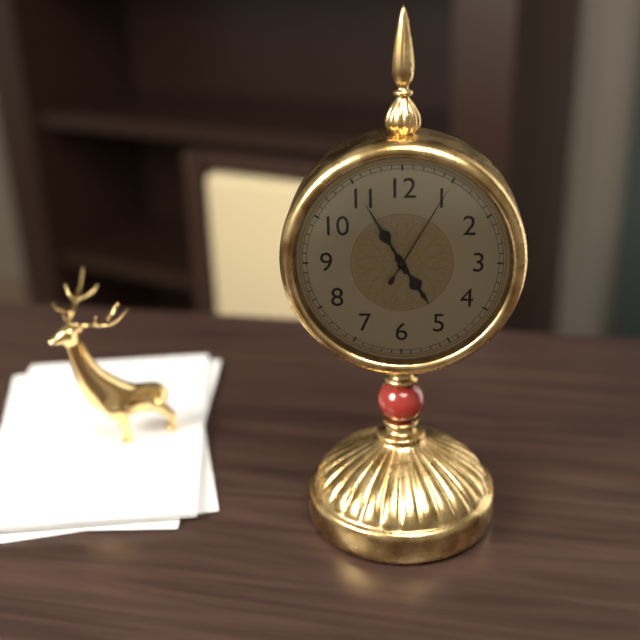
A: 4:55:05
